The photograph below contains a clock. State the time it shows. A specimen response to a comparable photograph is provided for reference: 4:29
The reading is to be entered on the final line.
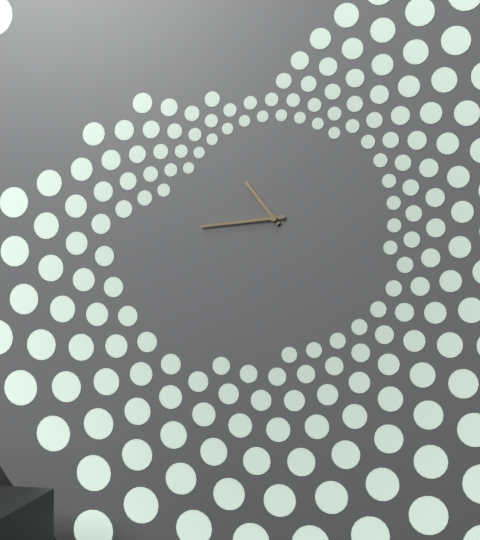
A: 10:44
